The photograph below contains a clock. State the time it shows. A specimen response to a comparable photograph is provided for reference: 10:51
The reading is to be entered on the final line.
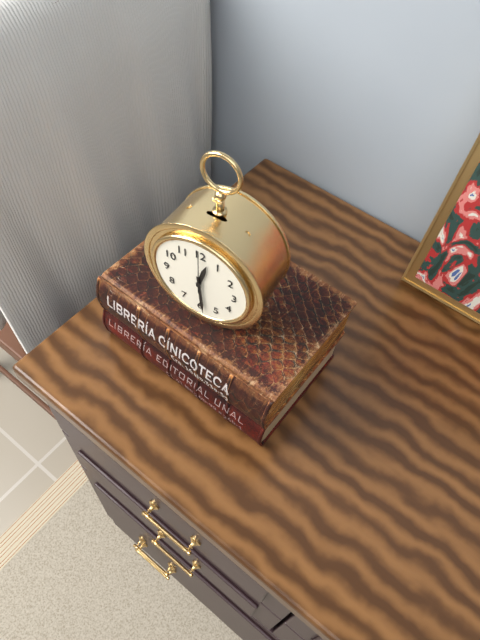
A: 12:29
